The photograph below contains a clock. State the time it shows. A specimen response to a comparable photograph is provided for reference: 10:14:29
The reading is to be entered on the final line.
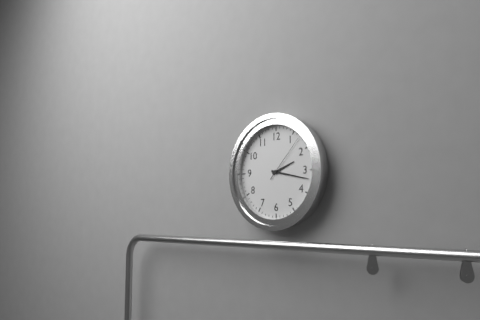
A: 2:17:07
